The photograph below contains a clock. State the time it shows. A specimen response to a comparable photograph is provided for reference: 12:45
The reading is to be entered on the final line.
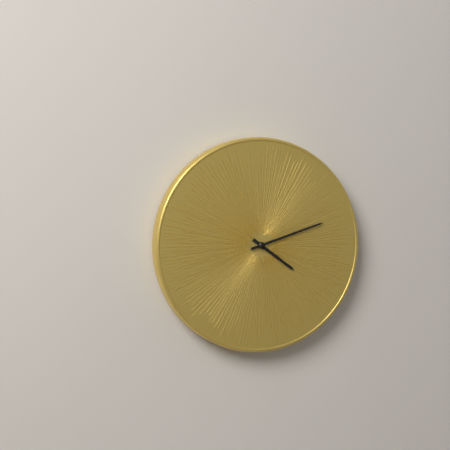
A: 4:12
